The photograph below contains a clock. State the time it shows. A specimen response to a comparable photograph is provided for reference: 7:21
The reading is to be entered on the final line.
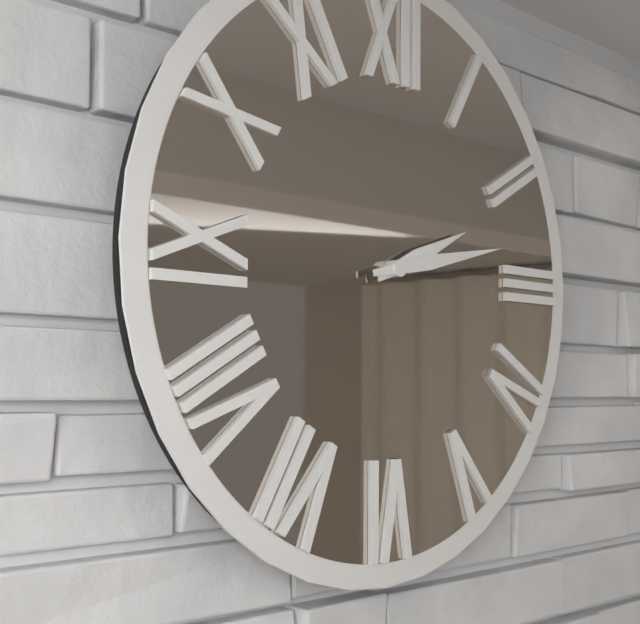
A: 2:13
